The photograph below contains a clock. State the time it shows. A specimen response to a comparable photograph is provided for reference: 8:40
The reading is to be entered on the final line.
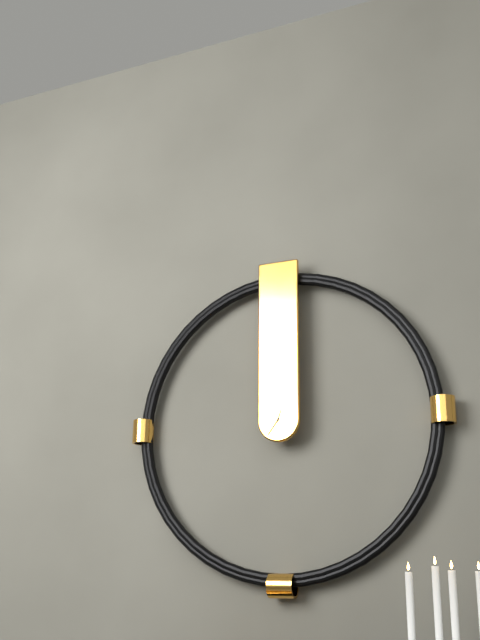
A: 12:36
